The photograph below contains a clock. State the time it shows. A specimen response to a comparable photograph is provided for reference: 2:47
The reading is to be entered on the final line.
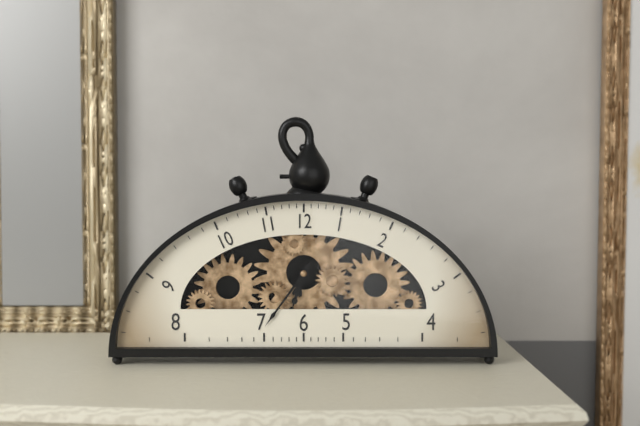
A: 6:36
